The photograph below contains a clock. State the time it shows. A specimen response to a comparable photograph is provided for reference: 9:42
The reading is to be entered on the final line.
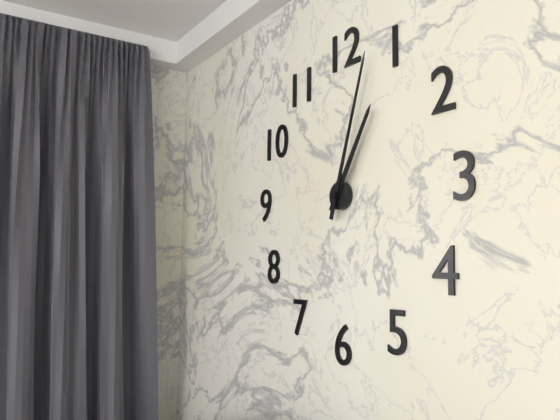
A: 1:03
